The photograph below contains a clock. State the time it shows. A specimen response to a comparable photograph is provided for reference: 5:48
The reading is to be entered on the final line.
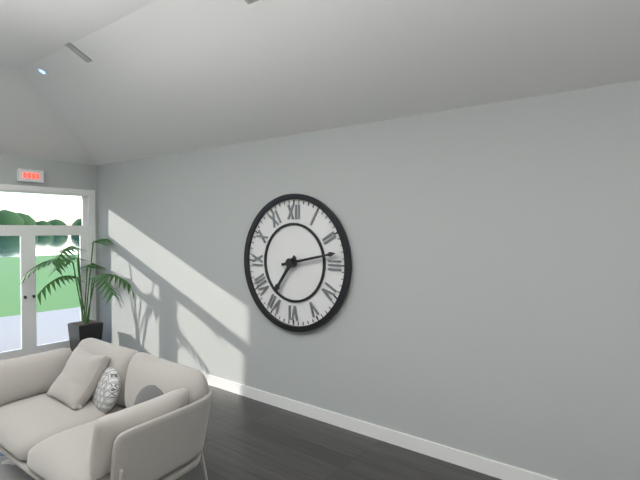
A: 7:13
